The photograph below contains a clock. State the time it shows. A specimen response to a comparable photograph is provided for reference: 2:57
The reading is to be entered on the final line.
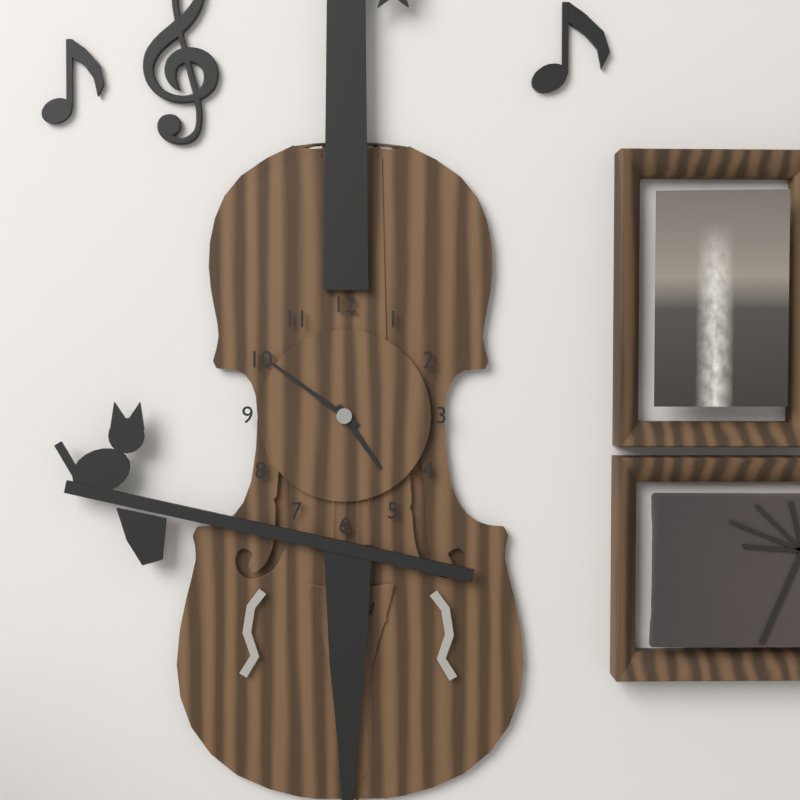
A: 4:51
